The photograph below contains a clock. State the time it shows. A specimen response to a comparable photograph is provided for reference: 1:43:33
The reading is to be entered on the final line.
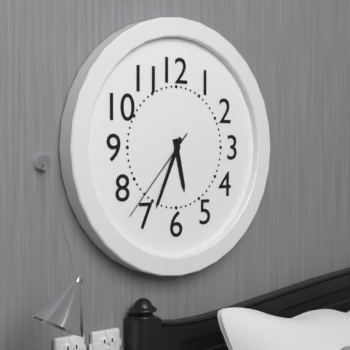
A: 5:34:37
